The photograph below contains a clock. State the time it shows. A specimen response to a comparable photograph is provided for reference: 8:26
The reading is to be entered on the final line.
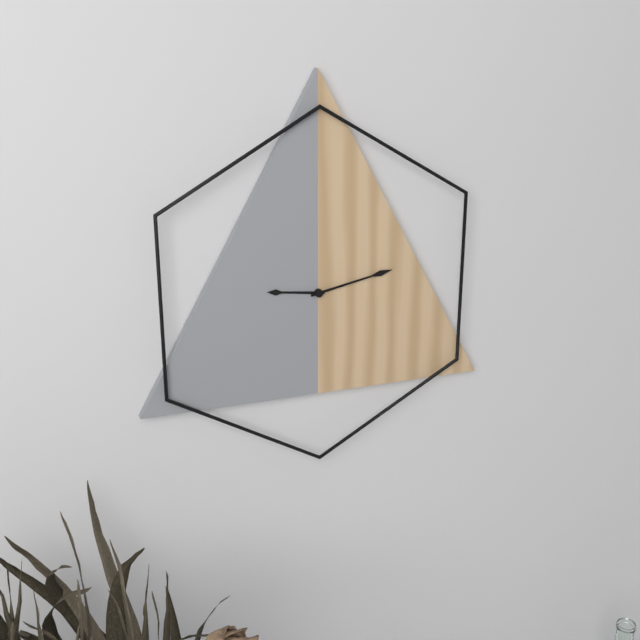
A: 9:13
